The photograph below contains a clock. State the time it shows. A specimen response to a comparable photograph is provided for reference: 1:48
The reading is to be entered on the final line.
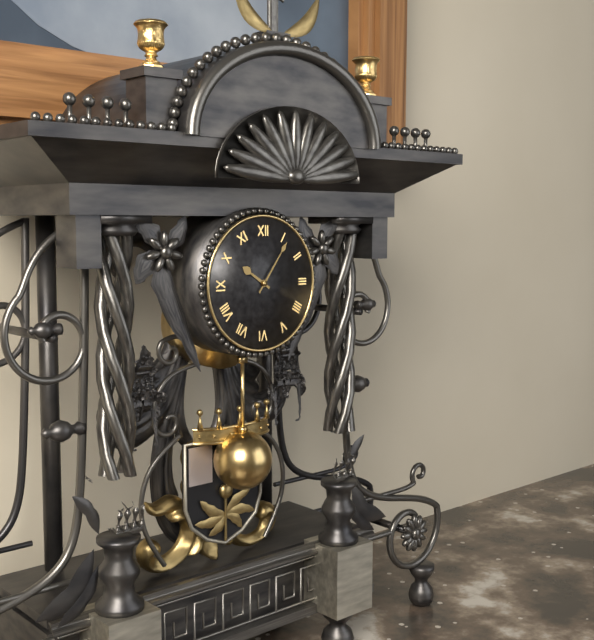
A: 10:06
